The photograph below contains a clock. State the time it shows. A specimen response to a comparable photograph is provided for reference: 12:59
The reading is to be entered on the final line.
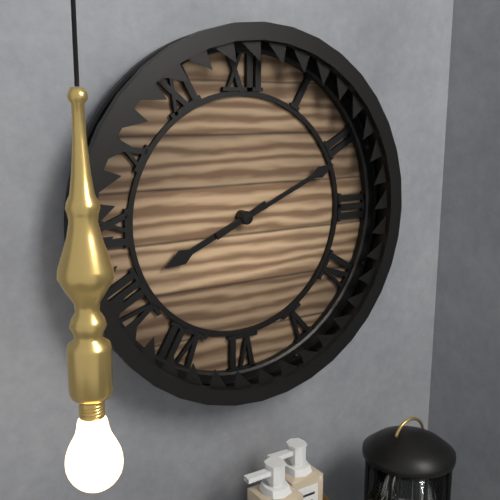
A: 8:11
